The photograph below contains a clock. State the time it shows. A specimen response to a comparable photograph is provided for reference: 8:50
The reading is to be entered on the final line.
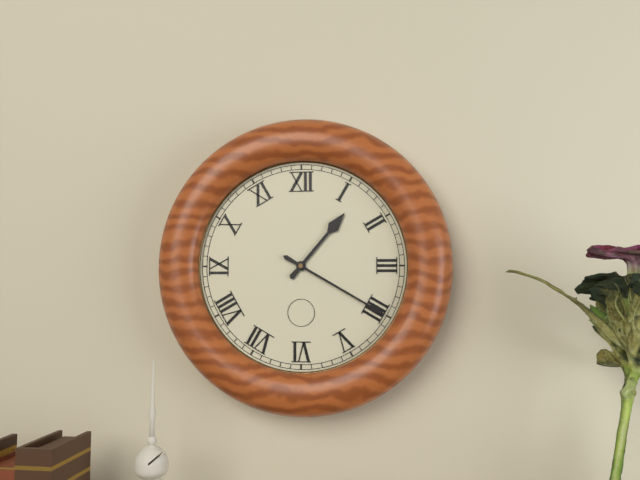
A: 1:20
